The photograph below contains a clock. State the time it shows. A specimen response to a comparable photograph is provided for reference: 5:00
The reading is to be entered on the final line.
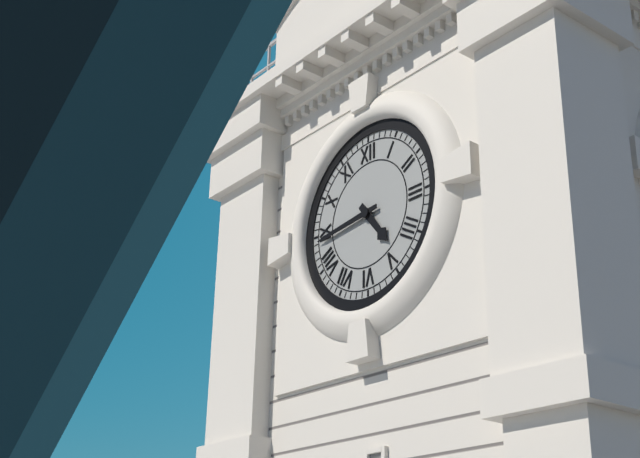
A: 4:44
